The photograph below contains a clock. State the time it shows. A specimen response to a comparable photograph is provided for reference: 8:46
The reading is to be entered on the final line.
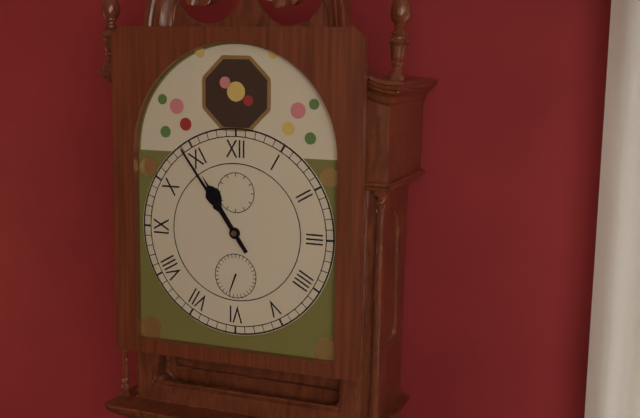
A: 10:54
